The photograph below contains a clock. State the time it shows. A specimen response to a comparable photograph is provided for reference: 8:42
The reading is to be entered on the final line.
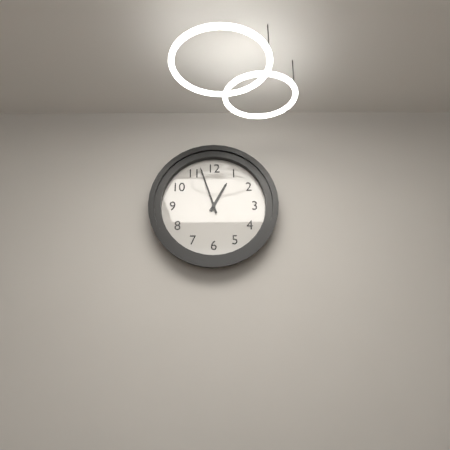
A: 12:57
